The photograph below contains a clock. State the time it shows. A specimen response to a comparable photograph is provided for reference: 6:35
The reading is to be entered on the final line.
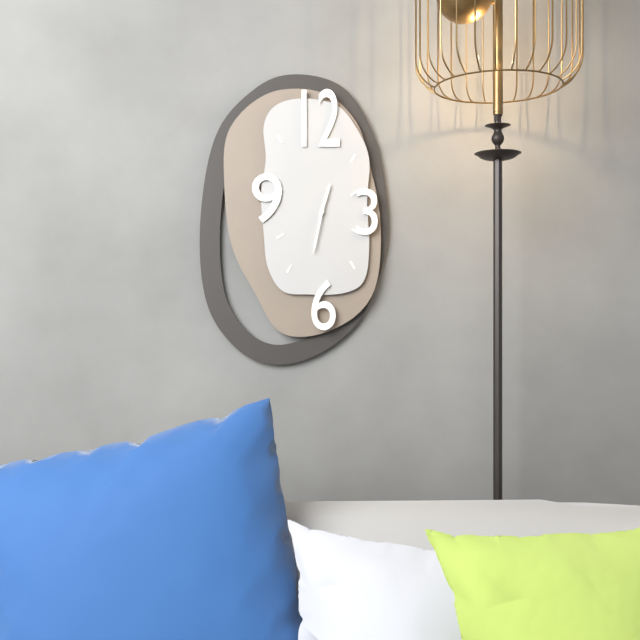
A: 12:32
